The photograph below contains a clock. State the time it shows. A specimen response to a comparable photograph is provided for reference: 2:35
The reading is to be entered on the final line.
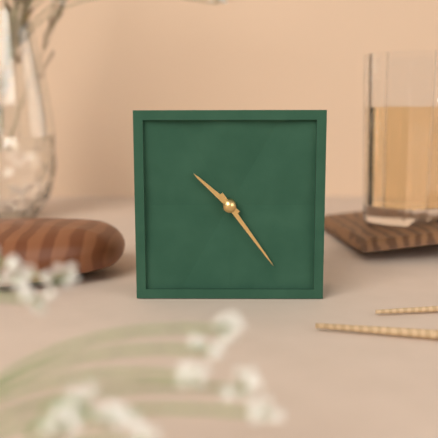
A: 10:24
